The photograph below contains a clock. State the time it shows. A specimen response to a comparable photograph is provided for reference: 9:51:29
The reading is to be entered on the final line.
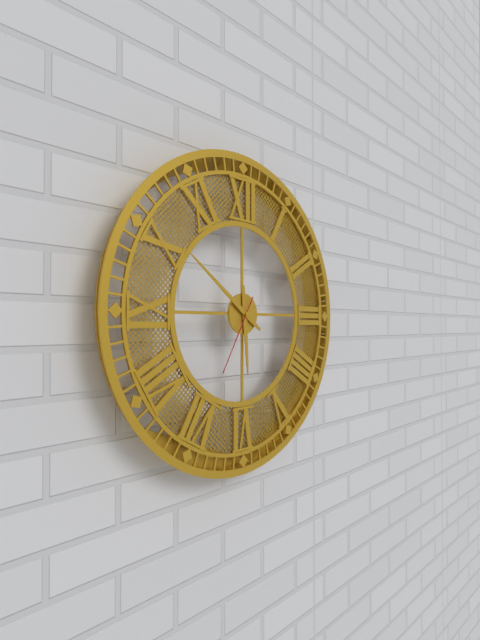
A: 5:51:35
